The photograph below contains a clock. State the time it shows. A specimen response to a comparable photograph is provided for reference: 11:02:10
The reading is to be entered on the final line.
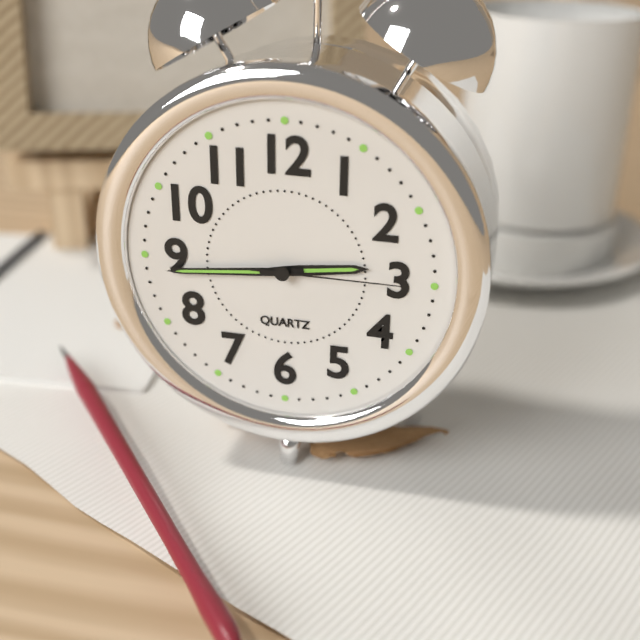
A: 2:44:15
